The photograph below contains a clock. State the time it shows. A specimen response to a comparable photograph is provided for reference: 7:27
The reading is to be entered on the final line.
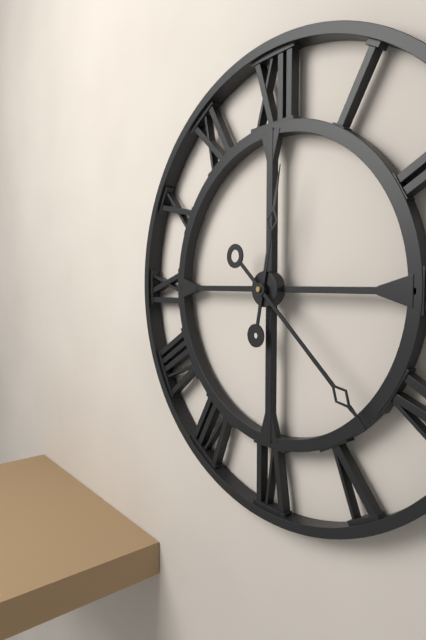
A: 12:22
